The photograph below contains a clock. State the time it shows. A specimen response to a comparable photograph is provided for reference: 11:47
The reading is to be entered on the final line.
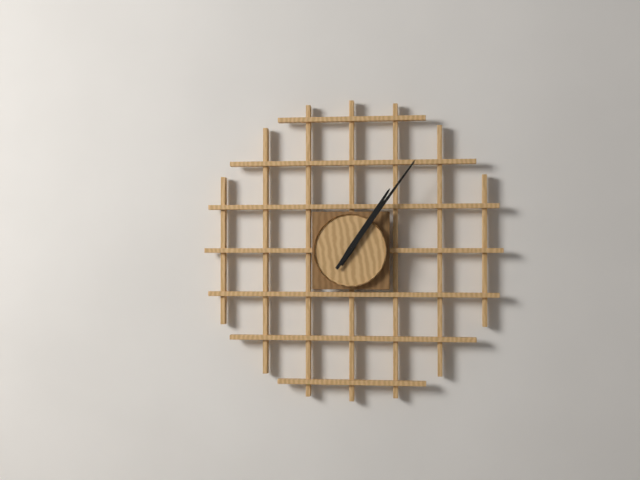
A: 1:06
